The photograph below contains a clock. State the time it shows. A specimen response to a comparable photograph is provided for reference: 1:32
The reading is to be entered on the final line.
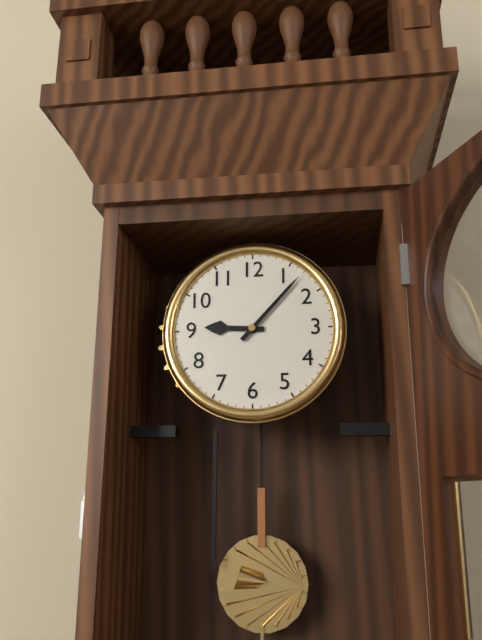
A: 9:07
